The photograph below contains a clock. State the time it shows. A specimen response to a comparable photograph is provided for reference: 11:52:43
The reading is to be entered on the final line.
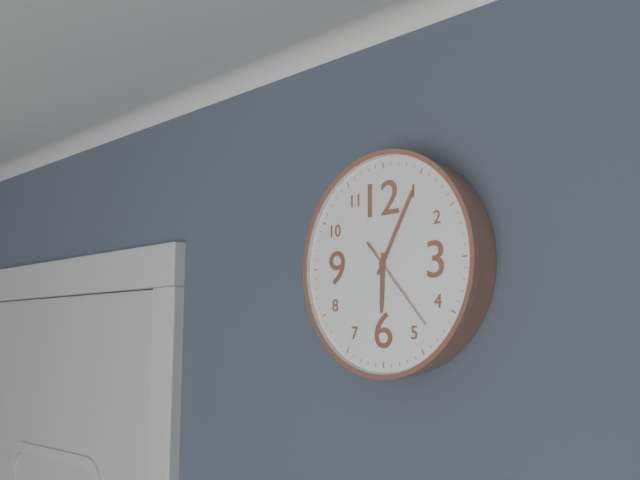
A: 6:05:23
